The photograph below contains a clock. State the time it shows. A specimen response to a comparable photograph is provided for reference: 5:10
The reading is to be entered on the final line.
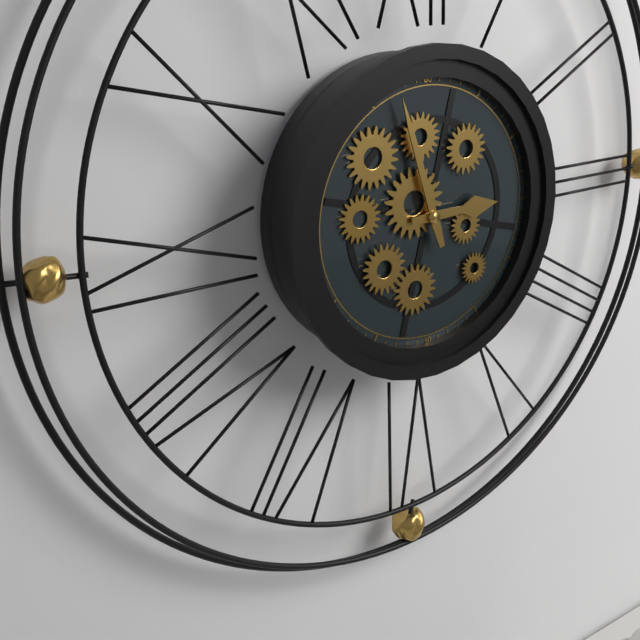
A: 2:57
